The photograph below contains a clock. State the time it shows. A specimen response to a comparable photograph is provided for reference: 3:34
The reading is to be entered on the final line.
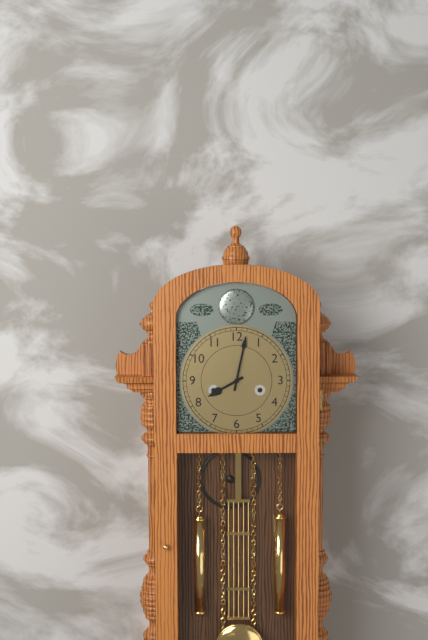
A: 8:02
